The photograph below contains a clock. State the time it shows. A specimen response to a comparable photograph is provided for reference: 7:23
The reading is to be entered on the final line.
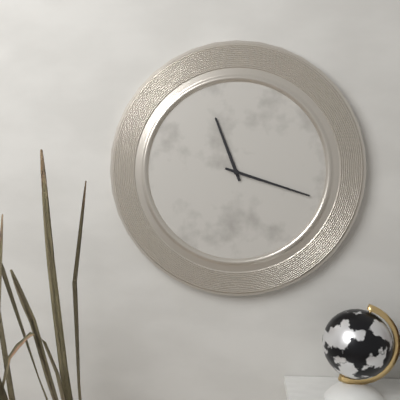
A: 11:18
